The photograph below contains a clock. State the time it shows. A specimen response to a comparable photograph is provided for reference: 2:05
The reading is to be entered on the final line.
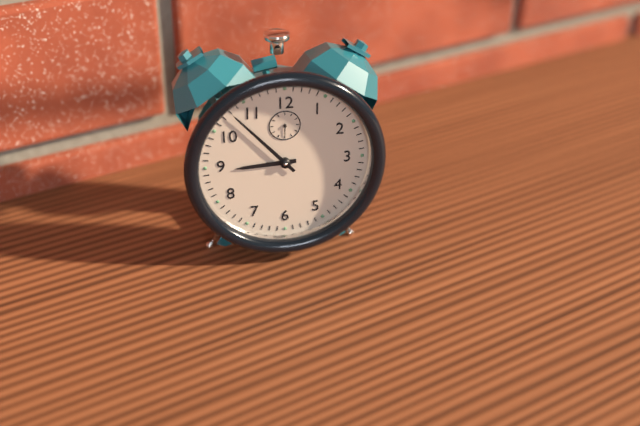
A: 8:53
